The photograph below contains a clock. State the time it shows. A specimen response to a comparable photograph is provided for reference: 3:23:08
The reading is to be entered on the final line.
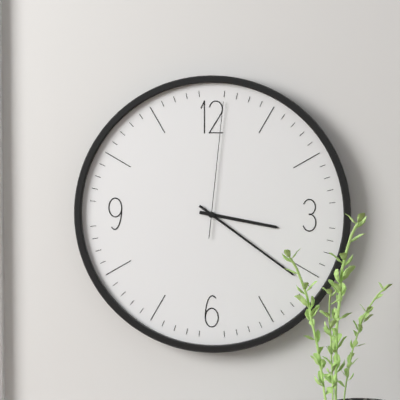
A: 3:21:01
